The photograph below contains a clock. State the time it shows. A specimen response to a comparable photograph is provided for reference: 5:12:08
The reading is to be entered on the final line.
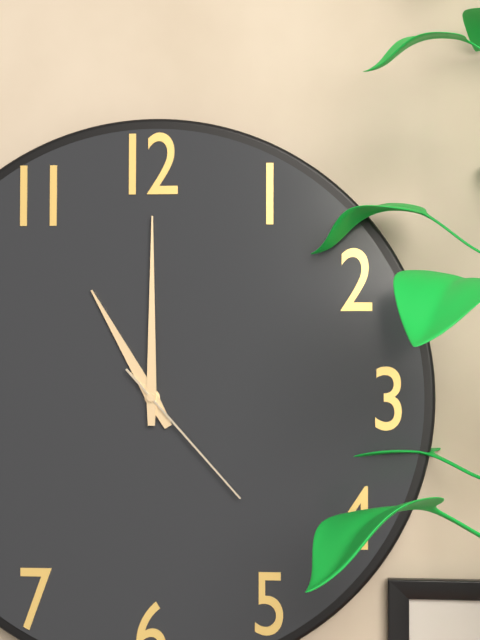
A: 11:00:23
